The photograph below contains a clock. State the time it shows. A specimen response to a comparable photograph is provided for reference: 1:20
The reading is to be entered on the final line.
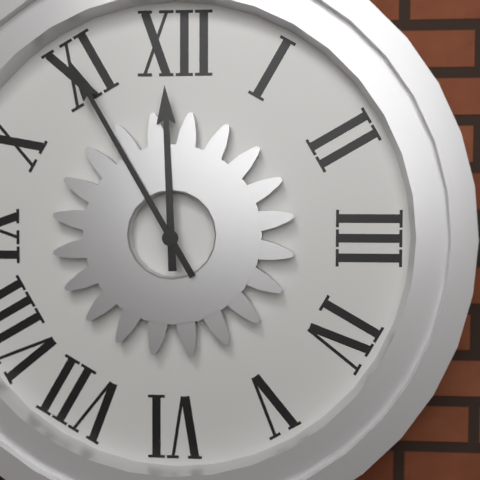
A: 11:55
